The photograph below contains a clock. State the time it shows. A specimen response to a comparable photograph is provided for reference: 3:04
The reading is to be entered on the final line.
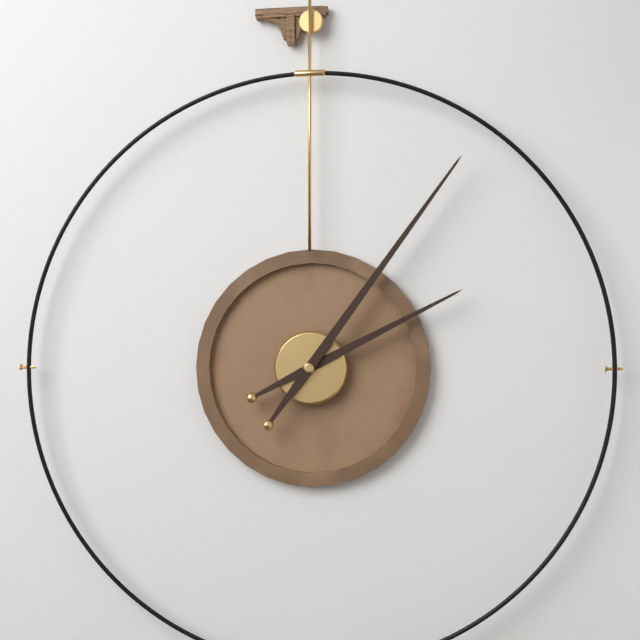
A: 2:06
